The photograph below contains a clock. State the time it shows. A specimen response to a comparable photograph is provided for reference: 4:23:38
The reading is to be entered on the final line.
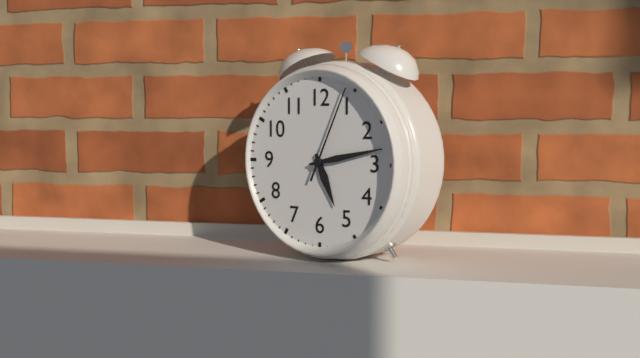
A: 5:13:04
